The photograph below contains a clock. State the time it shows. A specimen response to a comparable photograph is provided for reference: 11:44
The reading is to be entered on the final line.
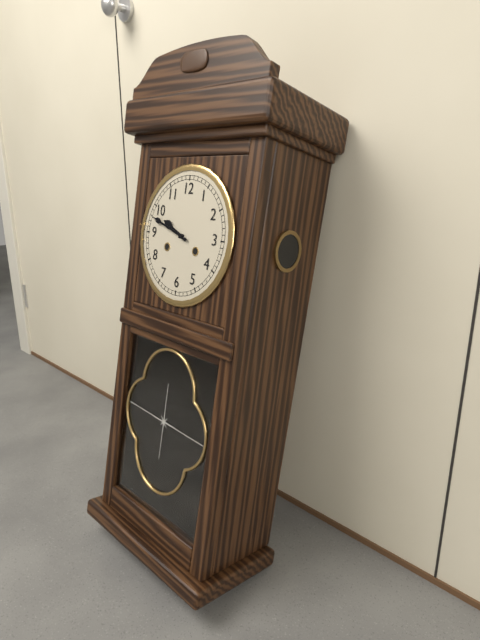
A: 9:48
